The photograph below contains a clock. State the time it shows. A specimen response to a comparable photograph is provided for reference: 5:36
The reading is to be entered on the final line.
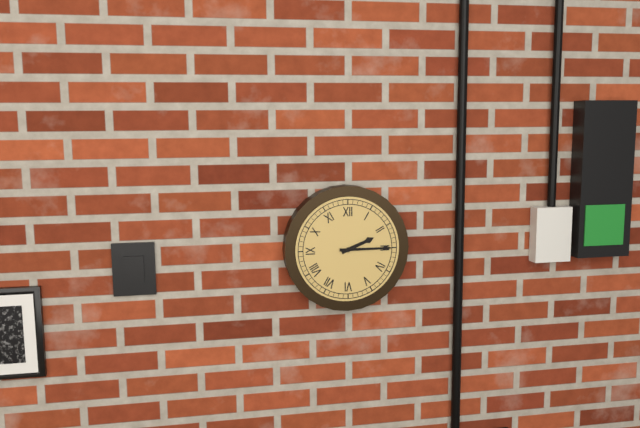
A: 2:15
